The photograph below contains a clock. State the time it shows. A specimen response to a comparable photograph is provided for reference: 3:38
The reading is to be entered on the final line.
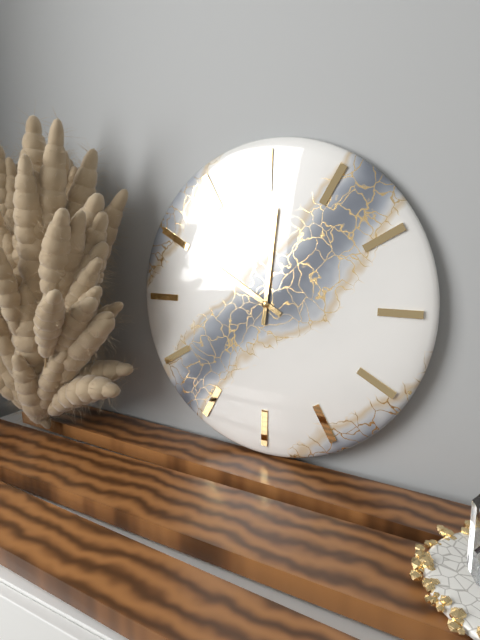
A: 10:01
